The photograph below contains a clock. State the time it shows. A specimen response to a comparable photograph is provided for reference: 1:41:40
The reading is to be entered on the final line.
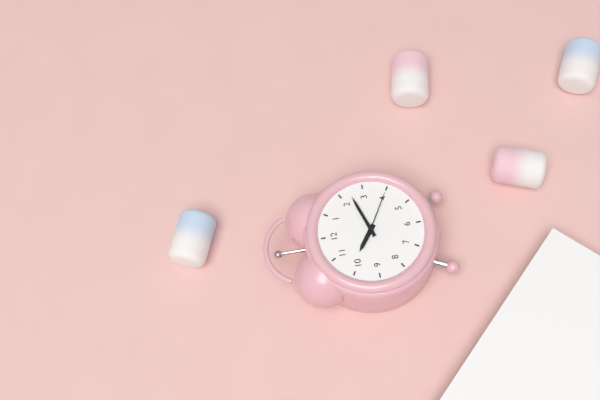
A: 10:12:20
